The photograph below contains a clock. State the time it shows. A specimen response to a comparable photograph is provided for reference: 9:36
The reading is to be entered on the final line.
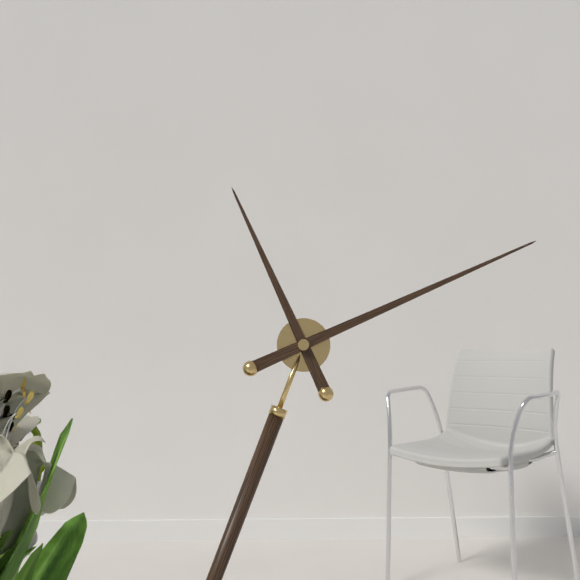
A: 11:11
